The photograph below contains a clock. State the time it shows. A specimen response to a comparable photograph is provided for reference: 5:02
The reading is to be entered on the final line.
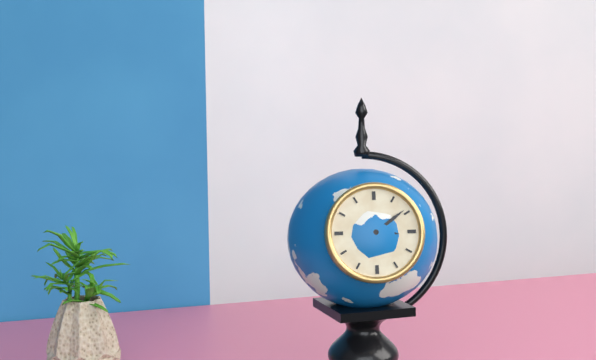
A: 3:09
